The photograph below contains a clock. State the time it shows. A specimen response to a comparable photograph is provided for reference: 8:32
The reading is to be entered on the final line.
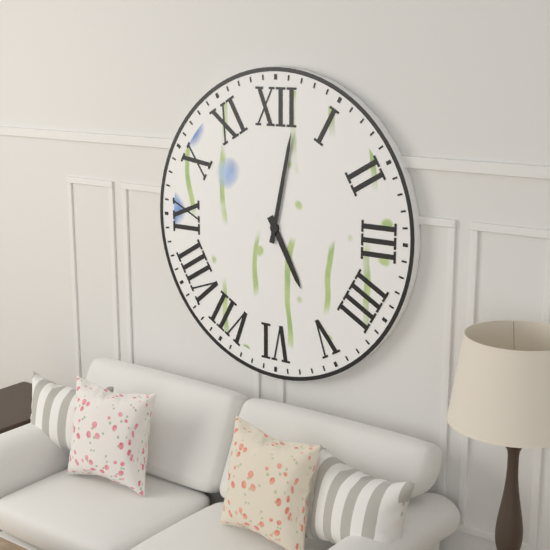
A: 5:02
